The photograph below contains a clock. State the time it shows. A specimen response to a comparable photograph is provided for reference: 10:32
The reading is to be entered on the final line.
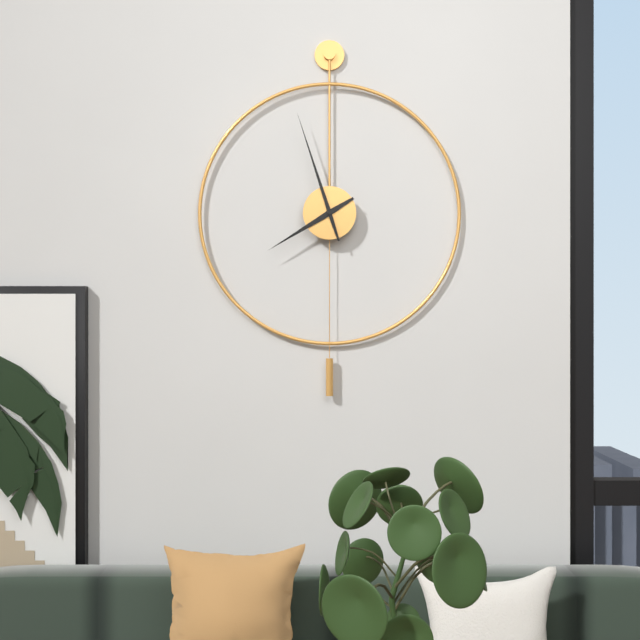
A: 7:57
